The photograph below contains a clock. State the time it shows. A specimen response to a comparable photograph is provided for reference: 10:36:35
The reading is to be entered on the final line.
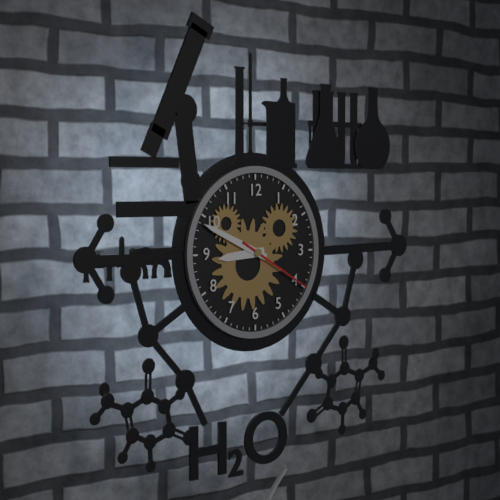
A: 8:49:20
